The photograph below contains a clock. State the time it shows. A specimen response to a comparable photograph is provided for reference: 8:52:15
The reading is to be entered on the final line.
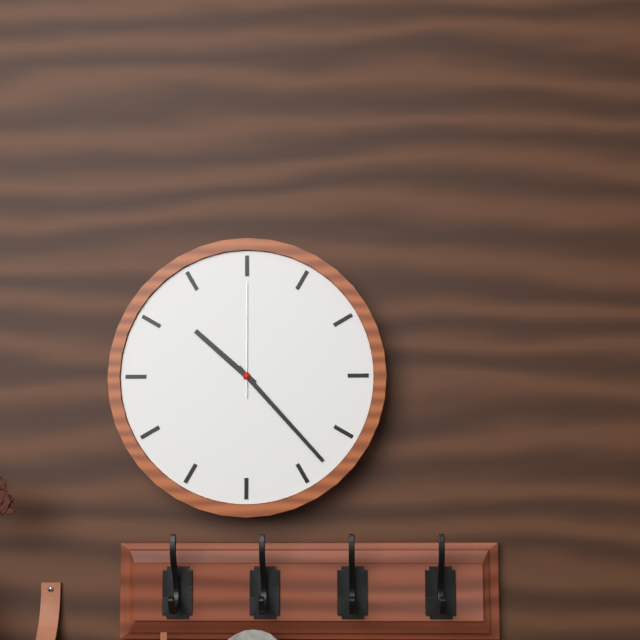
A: 10:23:00
